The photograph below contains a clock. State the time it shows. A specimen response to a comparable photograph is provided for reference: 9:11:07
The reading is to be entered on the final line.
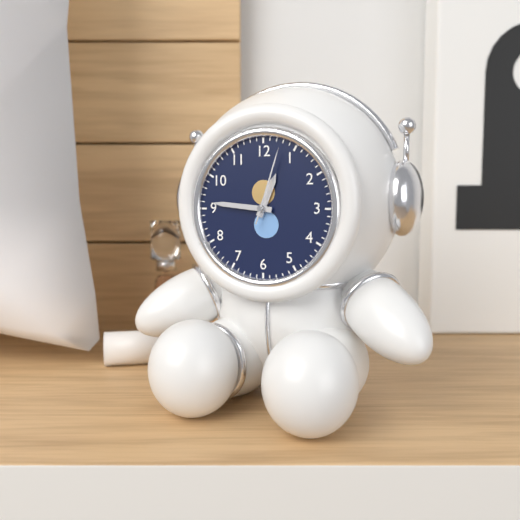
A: 12:46:03
